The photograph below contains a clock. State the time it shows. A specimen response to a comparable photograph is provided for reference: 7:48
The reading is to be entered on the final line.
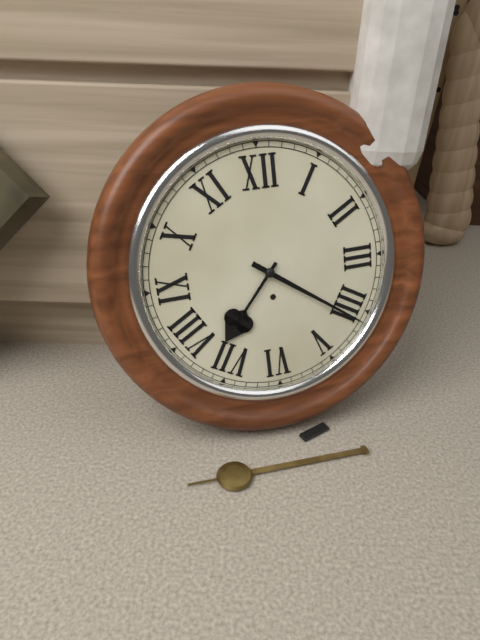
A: 7:21
